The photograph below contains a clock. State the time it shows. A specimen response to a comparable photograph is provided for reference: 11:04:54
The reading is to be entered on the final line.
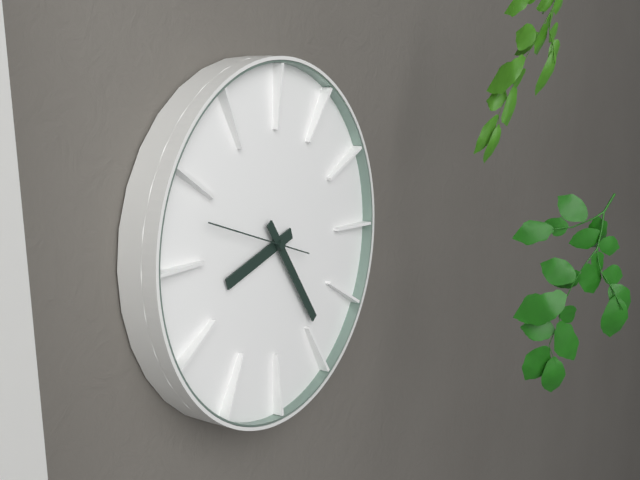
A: 8:24:48
